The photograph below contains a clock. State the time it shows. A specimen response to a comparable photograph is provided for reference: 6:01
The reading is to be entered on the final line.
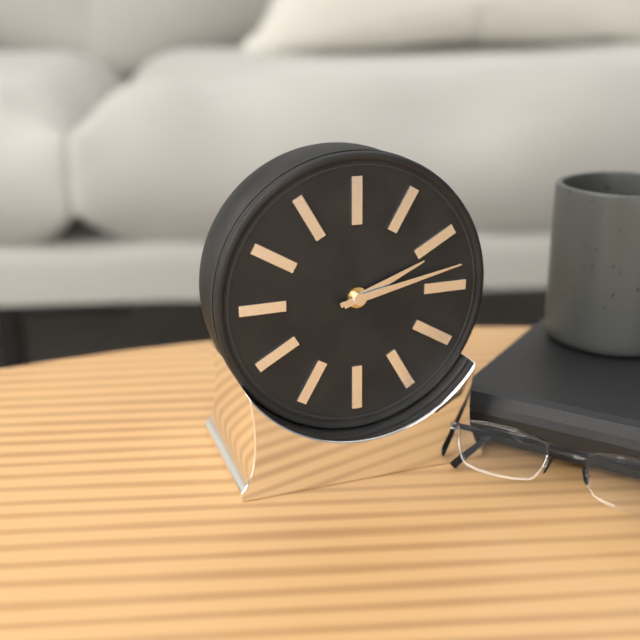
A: 2:13
